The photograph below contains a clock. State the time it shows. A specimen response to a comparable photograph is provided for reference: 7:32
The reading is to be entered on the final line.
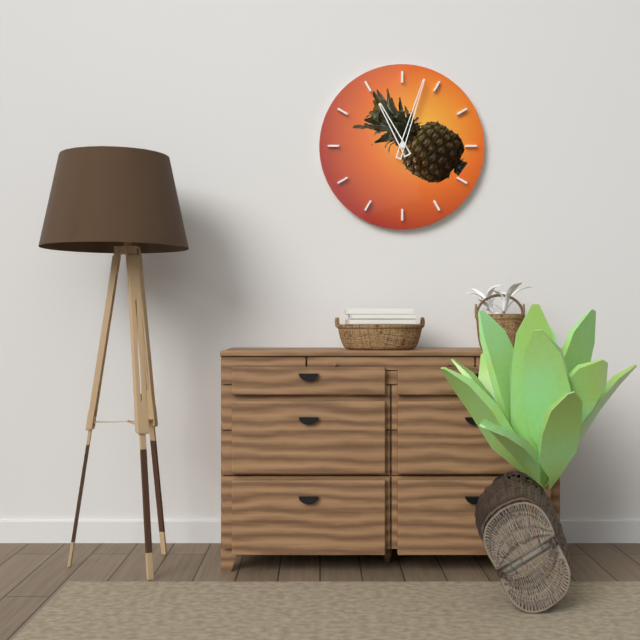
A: 11:03
